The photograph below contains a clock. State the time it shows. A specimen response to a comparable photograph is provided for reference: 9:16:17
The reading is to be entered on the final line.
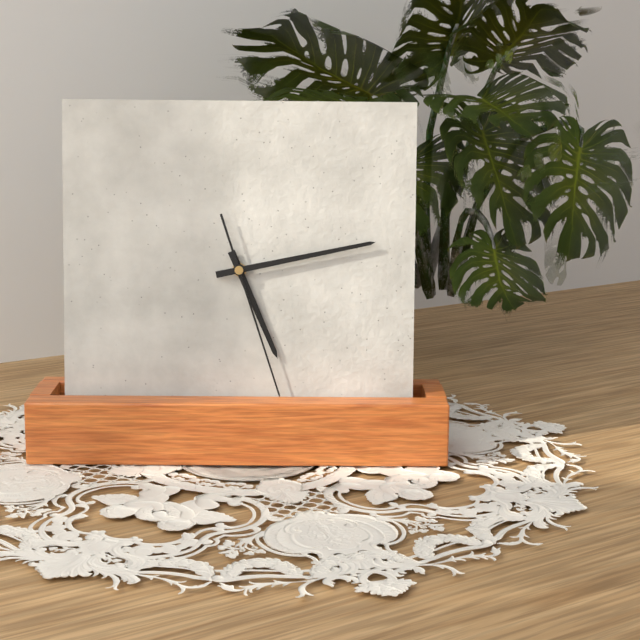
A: 5:13:27
